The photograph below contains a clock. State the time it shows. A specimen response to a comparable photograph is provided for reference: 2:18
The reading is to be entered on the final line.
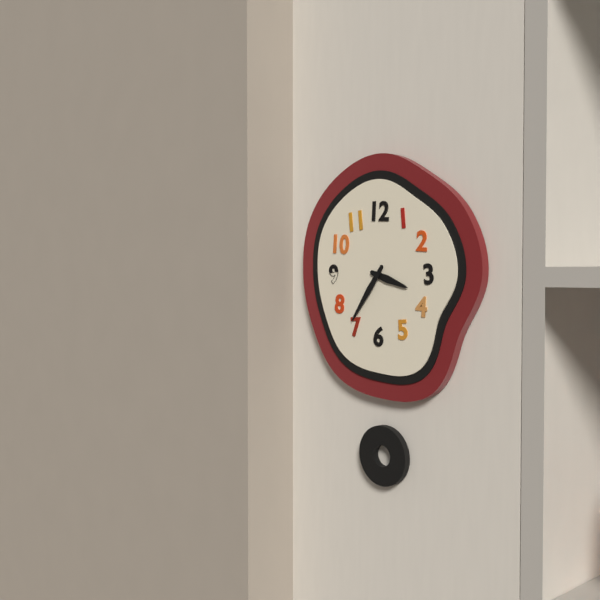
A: 3:36
